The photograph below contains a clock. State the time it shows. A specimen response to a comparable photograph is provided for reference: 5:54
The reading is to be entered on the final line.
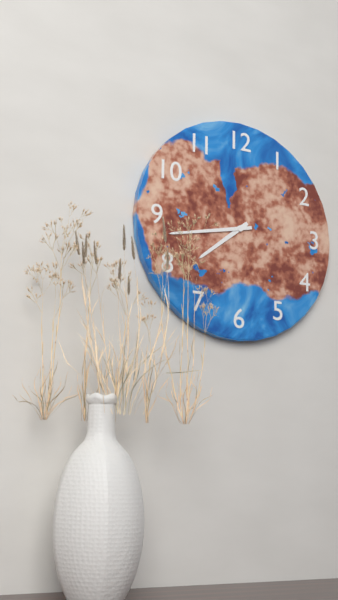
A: 7:43
